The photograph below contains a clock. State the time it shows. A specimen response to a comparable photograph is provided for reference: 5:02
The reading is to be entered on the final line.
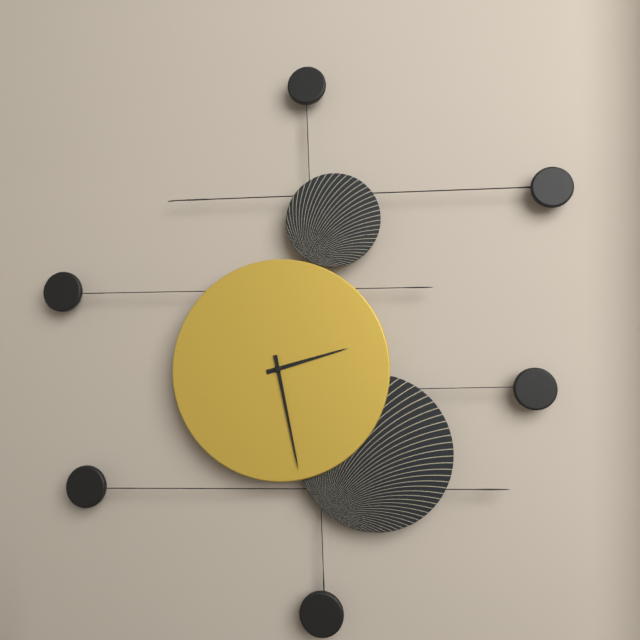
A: 2:28
